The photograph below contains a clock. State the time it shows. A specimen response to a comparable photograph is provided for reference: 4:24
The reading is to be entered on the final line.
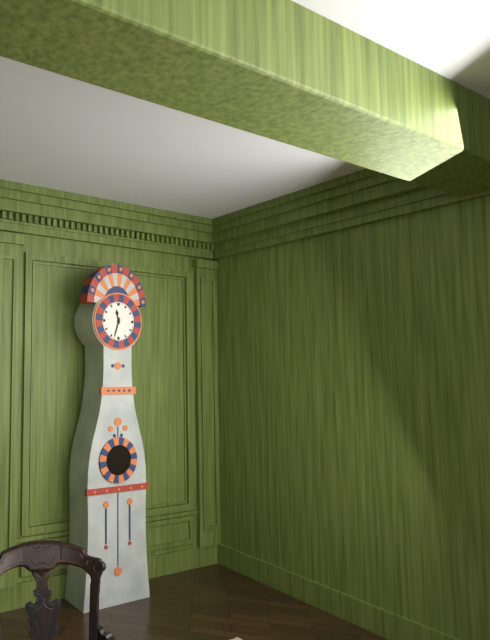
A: 11:33
